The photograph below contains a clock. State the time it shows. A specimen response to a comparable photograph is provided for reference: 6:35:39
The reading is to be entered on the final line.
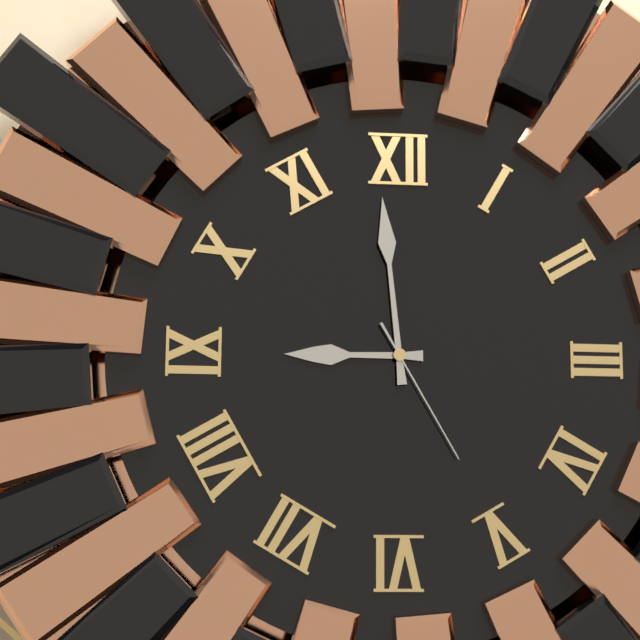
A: 8:59:25
